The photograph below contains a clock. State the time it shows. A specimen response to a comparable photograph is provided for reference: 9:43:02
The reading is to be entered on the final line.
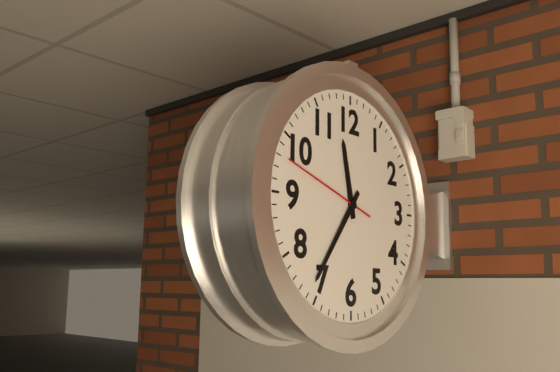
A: 11:36:48
